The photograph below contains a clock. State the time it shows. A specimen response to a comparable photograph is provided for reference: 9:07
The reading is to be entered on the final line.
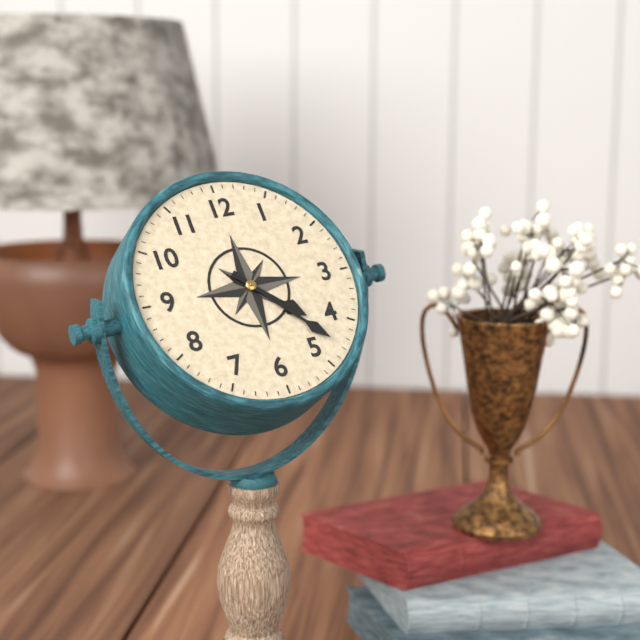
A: 4:23
